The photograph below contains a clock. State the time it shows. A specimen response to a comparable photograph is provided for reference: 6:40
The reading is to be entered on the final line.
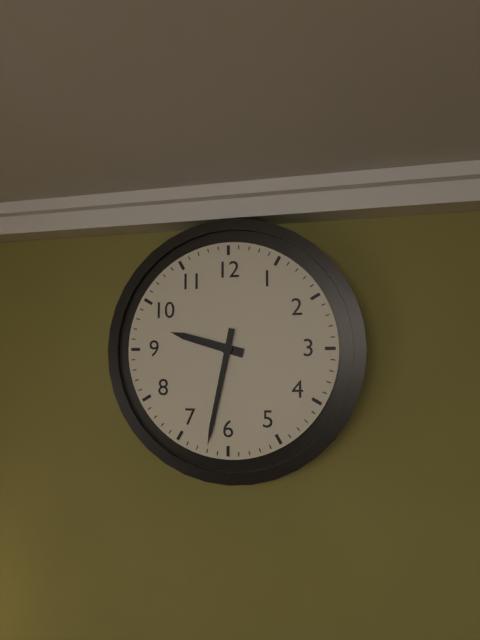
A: 9:32
